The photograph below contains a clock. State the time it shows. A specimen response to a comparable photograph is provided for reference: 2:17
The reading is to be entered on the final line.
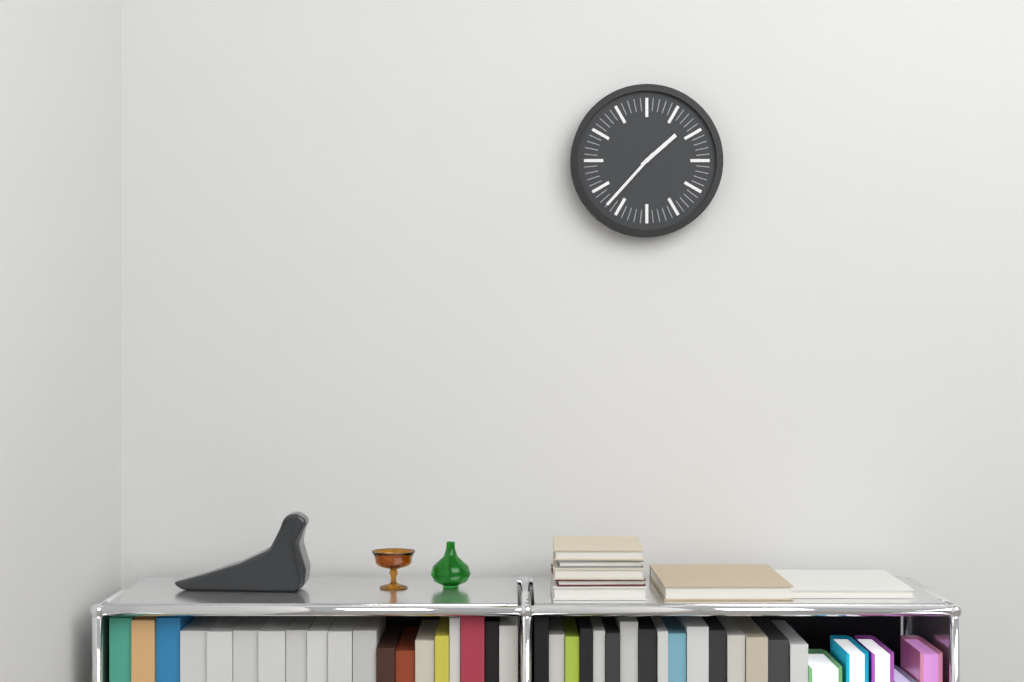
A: 1:37
